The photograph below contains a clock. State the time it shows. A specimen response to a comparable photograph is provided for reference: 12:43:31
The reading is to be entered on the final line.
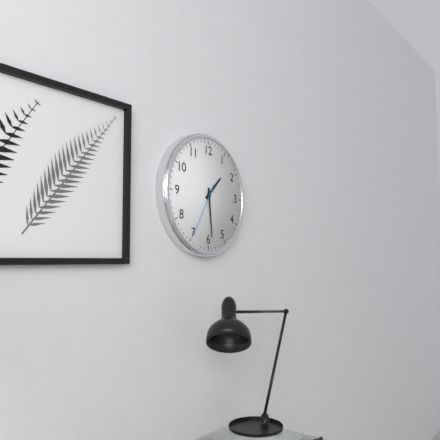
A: 1:29:35
